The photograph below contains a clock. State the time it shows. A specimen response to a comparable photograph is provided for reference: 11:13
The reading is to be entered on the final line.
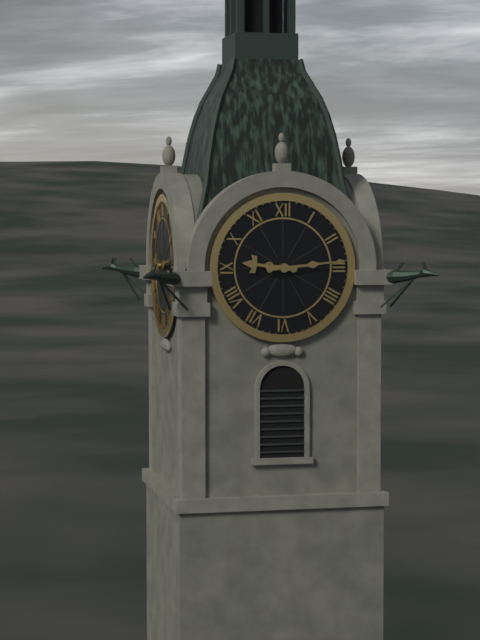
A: 9:14
